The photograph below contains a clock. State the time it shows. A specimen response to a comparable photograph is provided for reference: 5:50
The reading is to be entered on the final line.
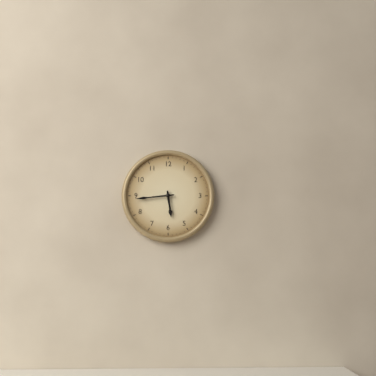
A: 5:44
